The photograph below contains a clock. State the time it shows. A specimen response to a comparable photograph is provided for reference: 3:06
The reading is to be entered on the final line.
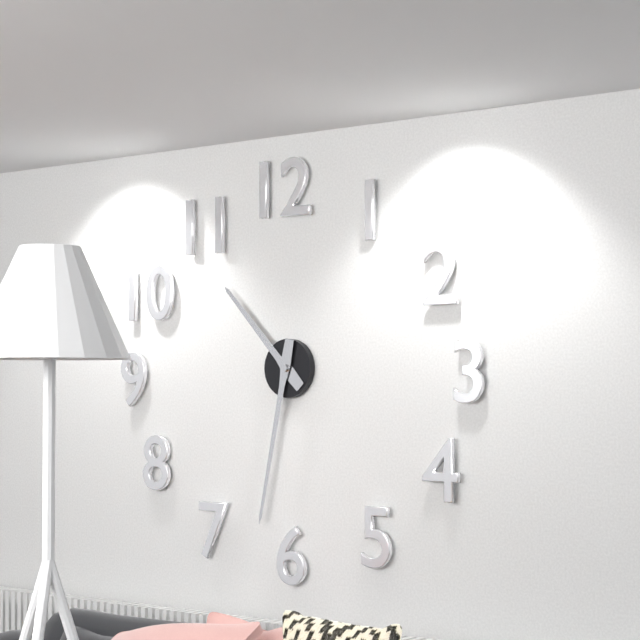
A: 10:32
